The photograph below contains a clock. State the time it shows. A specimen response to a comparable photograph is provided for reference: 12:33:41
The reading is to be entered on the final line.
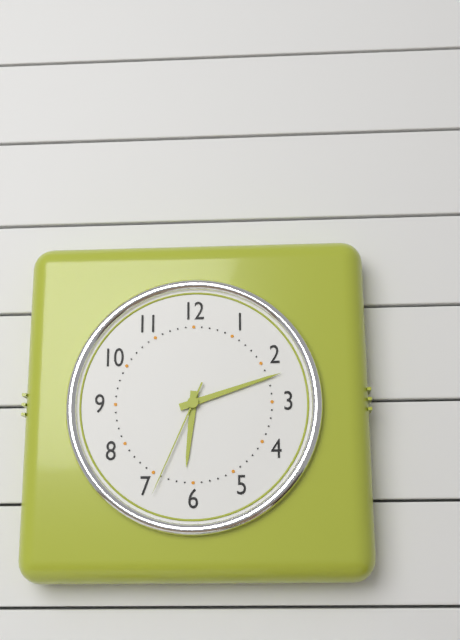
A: 6:12:34
